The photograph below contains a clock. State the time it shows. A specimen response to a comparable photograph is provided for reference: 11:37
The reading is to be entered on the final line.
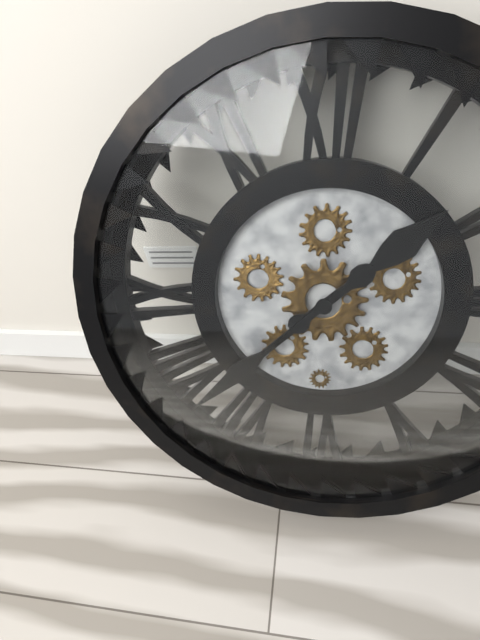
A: 1:38
